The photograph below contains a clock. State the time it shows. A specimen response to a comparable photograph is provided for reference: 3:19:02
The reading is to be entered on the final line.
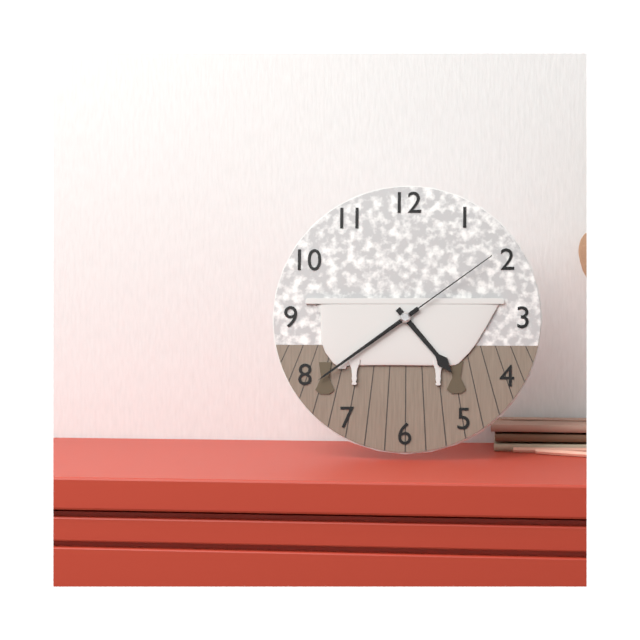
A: 4:39:09
